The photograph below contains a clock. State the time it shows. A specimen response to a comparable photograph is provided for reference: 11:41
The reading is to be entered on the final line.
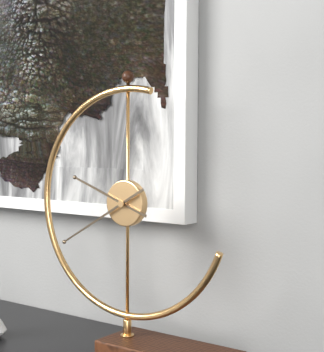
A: 9:40
